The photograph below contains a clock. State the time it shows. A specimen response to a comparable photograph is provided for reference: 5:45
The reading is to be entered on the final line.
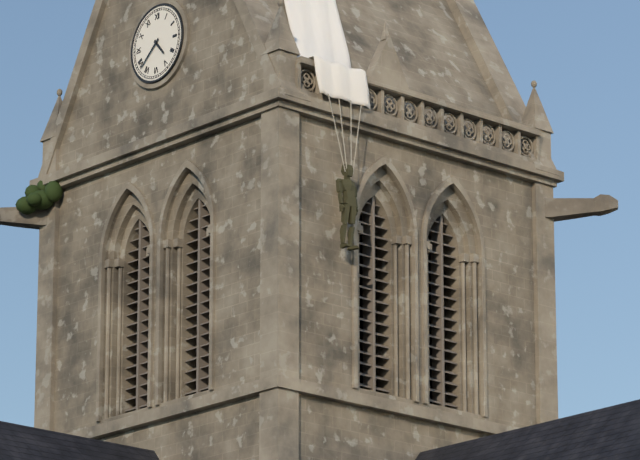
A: 4:38
